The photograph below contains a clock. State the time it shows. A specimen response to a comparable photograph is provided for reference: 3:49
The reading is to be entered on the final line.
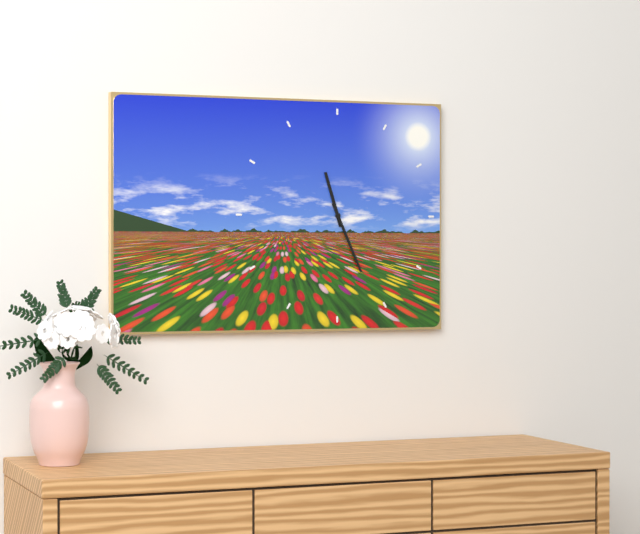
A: 11:26
